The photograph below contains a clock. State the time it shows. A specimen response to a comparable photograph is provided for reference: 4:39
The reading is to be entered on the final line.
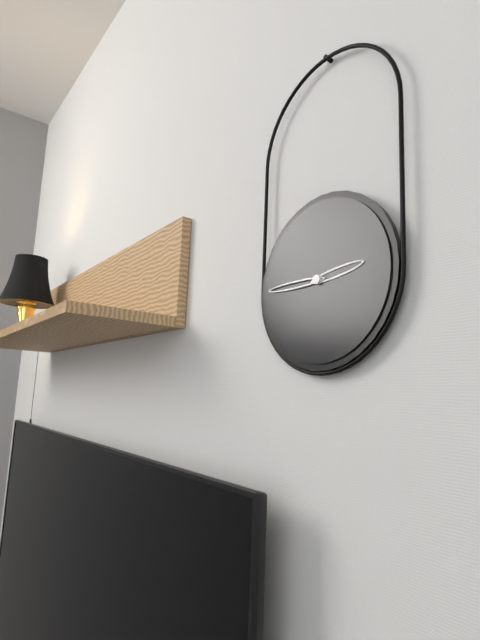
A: 2:45
